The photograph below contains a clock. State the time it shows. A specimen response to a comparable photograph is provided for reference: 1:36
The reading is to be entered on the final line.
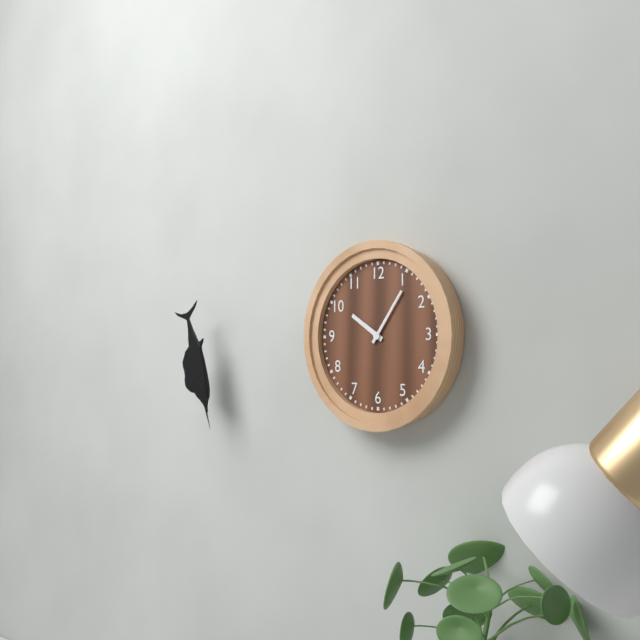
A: 10:06
